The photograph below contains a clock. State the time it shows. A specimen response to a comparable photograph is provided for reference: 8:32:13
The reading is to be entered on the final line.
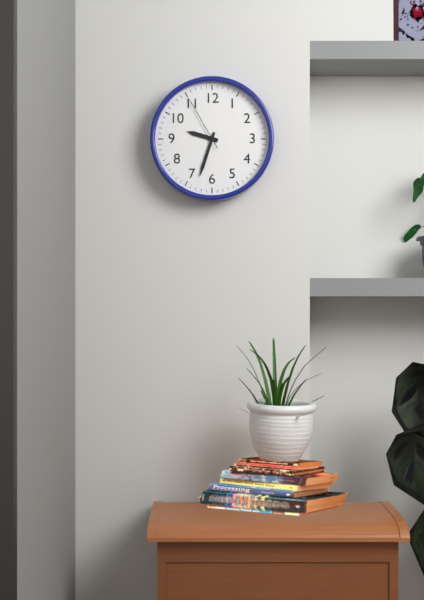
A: 9:33:55
